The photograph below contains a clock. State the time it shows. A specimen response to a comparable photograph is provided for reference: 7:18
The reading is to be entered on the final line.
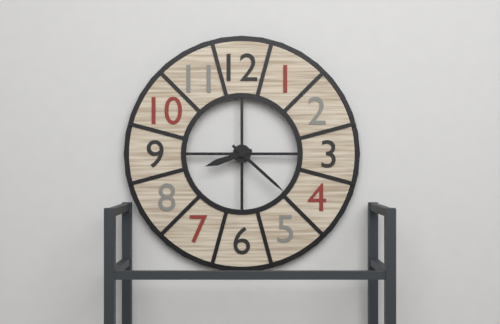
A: 8:22
